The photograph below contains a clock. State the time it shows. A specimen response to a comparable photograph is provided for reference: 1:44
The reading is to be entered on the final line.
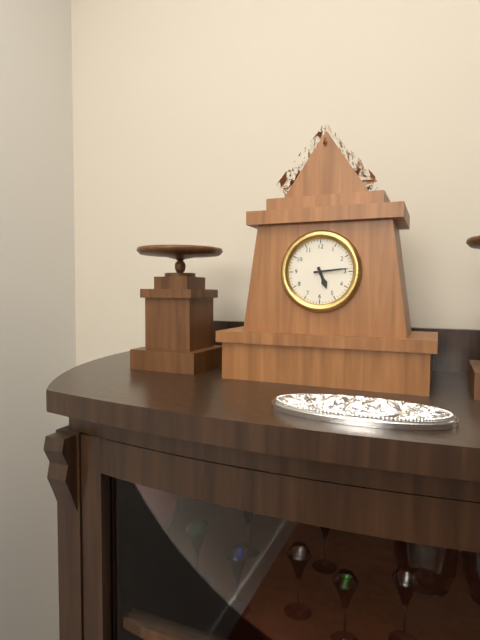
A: 5:14
